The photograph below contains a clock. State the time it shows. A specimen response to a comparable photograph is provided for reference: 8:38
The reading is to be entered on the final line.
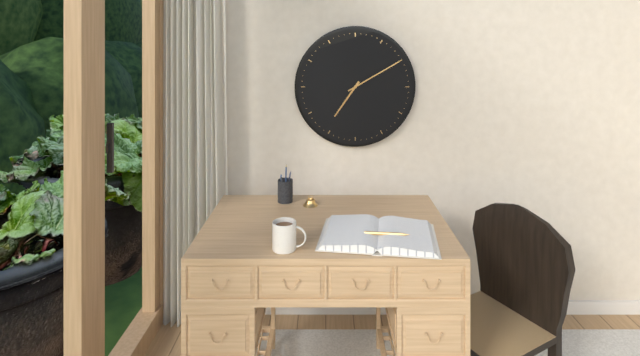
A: 7:10
